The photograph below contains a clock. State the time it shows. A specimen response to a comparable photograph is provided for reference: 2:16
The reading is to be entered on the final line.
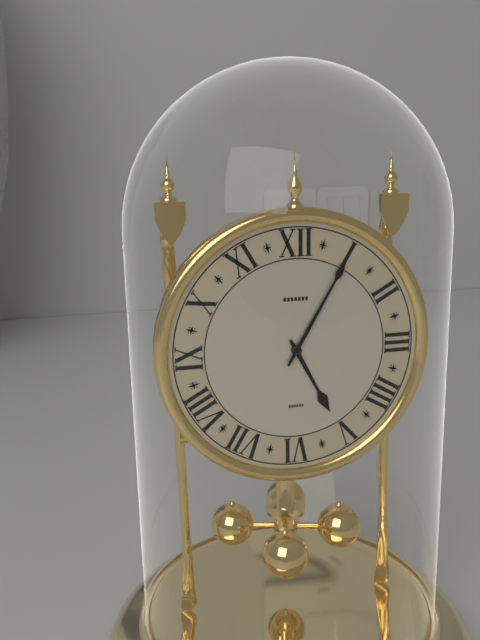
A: 5:05
